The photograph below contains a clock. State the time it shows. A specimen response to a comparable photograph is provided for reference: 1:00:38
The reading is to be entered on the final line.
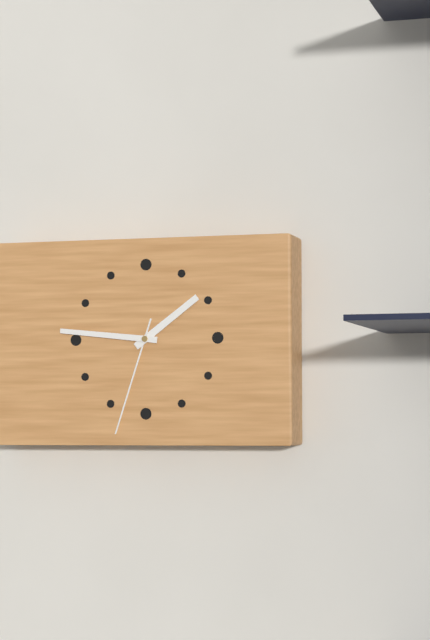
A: 1:46:33
